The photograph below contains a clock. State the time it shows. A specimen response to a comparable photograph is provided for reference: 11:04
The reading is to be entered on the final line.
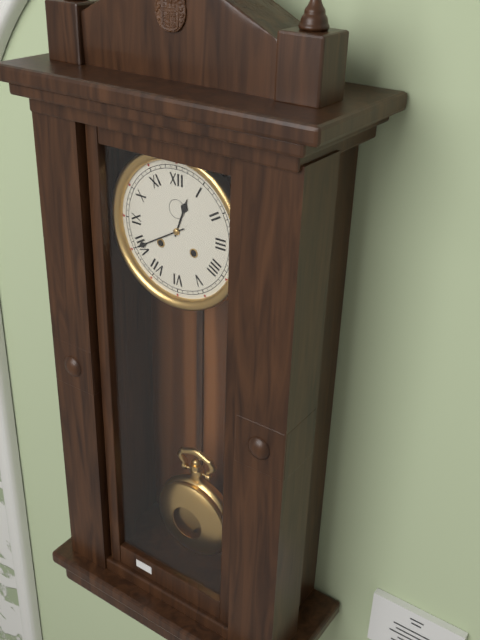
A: 12:40
